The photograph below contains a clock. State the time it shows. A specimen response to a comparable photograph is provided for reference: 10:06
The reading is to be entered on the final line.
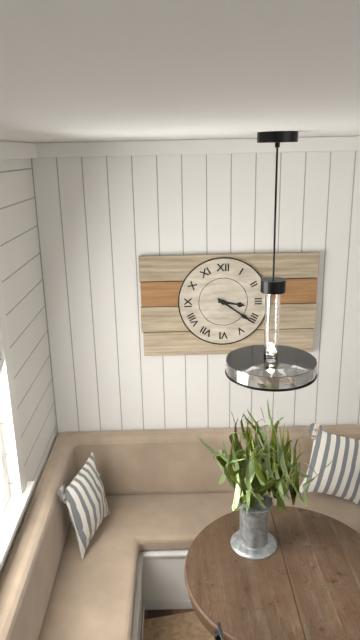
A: 3:21
